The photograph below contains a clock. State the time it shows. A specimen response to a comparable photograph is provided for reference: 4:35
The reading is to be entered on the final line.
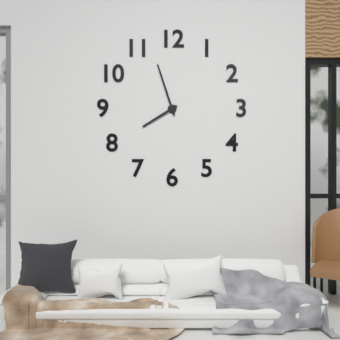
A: 7:57
